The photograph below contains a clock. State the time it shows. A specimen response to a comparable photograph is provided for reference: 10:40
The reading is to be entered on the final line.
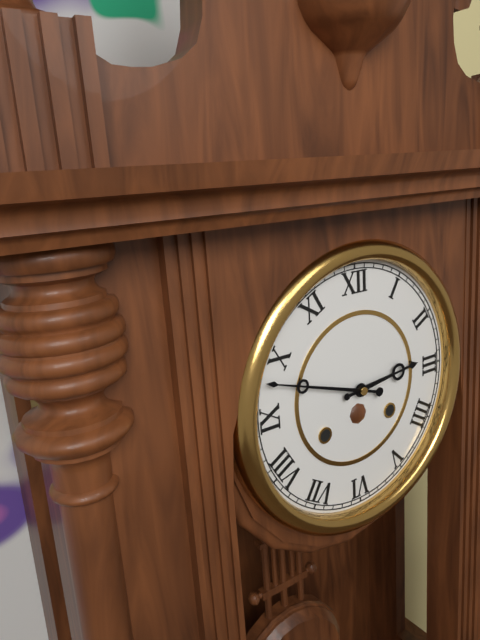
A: 2:48
